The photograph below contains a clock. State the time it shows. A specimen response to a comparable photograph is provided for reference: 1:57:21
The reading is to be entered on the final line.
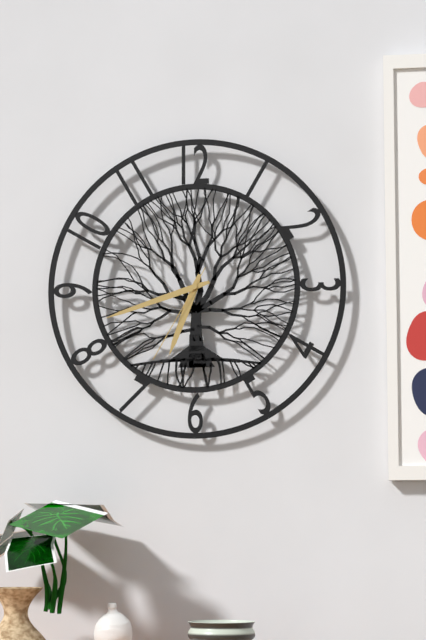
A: 6:42:35
